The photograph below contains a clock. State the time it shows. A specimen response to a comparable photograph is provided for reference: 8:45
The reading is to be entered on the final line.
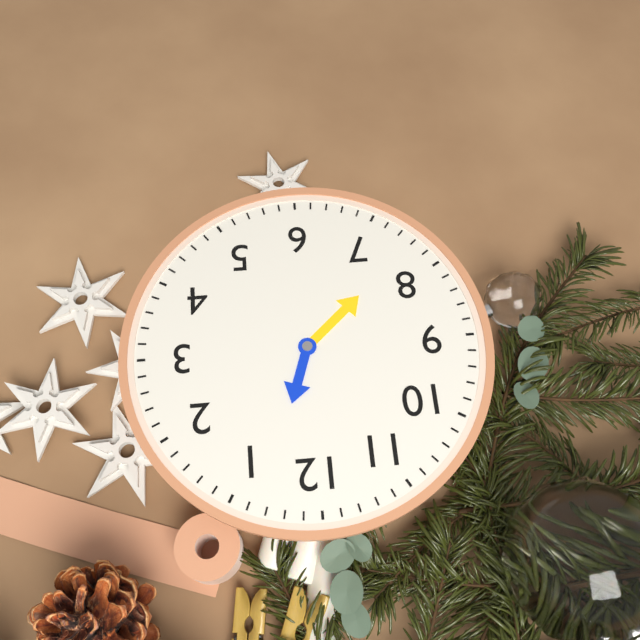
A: 12:38
